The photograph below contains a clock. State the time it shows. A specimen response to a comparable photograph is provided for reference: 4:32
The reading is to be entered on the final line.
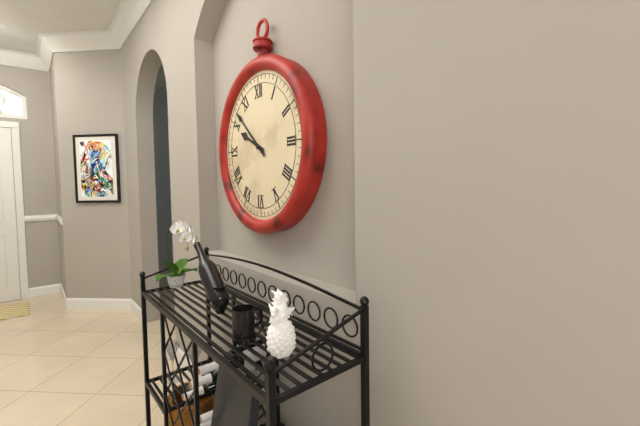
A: 9:52
